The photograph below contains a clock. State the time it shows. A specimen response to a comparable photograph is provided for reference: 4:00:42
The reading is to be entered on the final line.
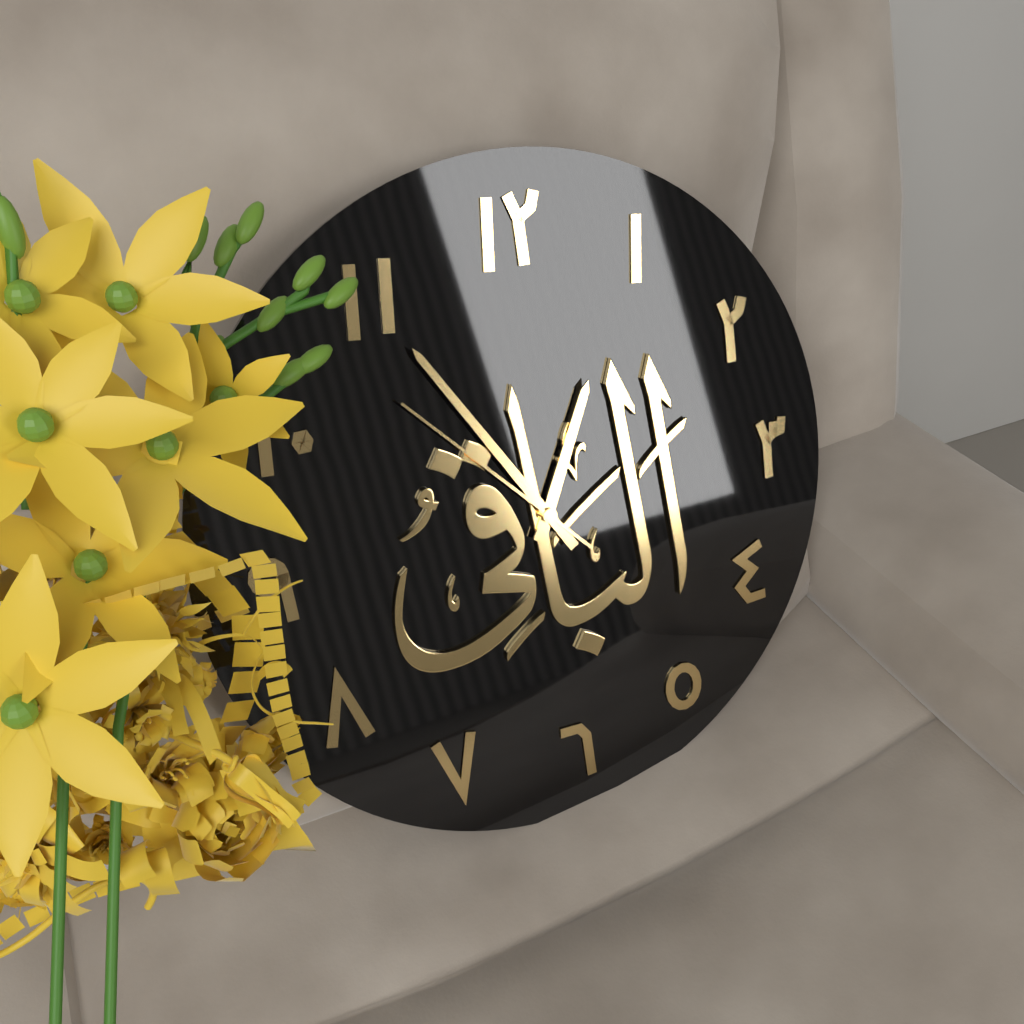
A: 12:55:53
